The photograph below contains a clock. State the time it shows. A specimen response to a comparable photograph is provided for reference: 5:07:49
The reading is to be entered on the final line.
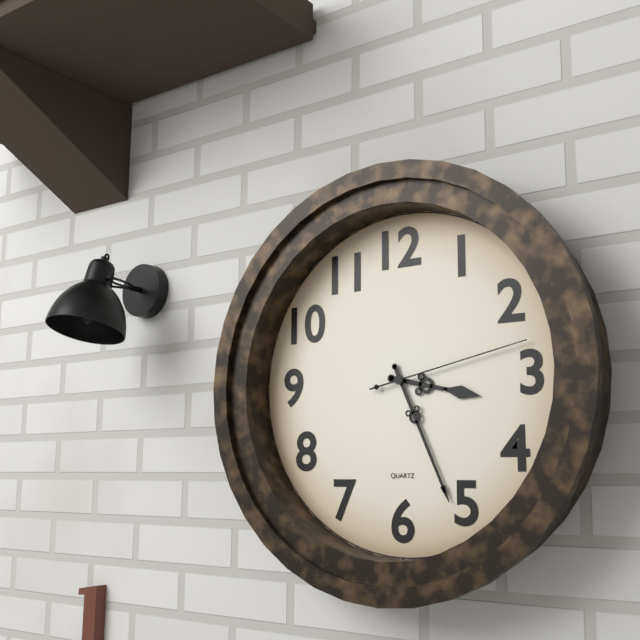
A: 3:26:13
